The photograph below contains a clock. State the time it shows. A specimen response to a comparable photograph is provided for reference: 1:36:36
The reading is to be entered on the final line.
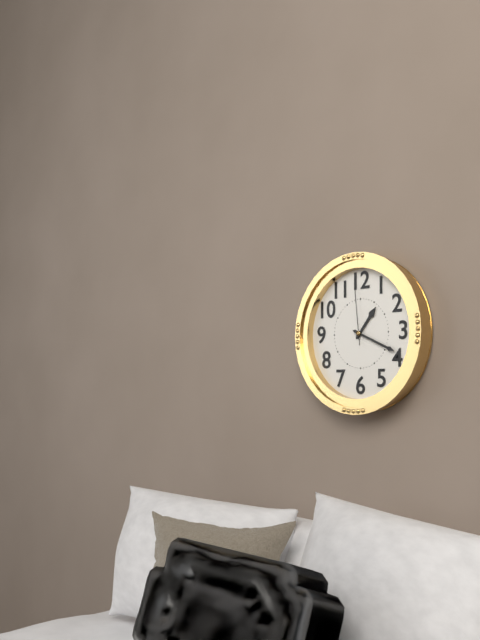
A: 1:19:59
